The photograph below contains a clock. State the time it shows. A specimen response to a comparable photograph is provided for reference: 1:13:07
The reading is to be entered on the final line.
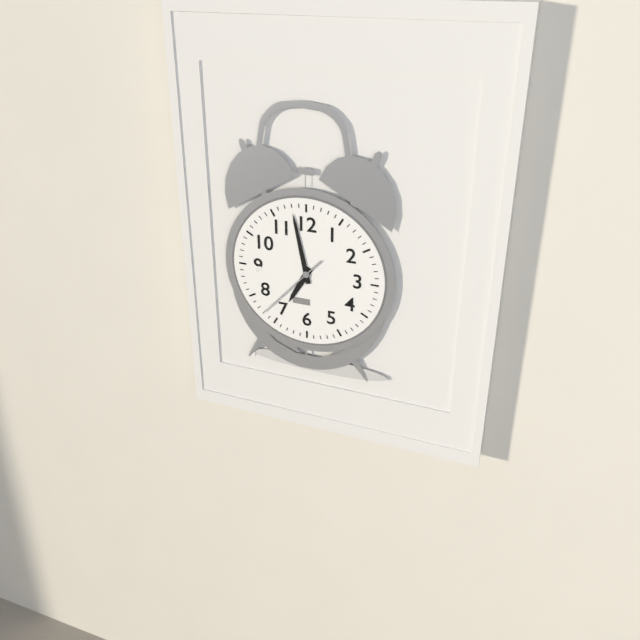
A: 6:58:37
